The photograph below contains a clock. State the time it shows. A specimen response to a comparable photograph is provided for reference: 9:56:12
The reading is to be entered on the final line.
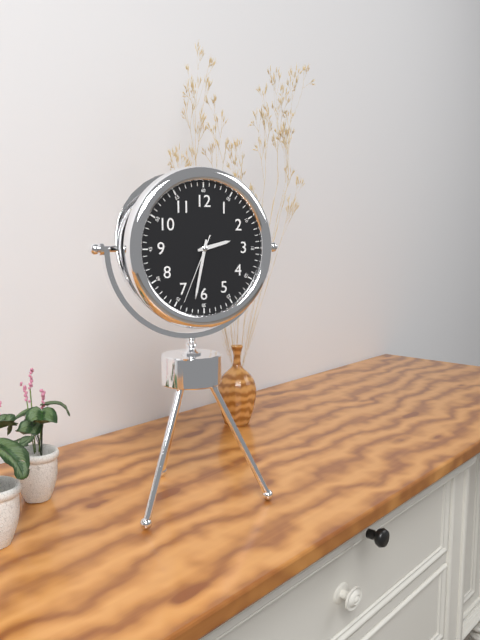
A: 2:32:34
